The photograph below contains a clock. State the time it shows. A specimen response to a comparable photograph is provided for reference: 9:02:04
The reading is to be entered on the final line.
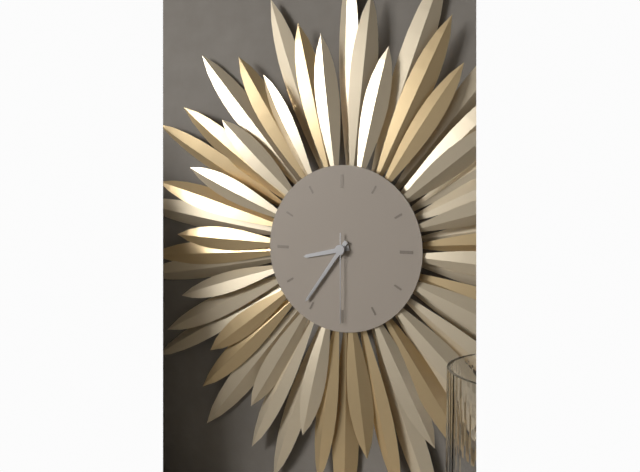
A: 8:36:30
